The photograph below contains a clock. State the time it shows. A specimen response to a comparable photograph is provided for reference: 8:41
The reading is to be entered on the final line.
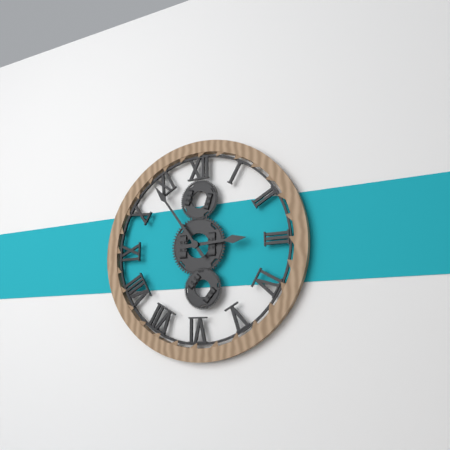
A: 2:54
